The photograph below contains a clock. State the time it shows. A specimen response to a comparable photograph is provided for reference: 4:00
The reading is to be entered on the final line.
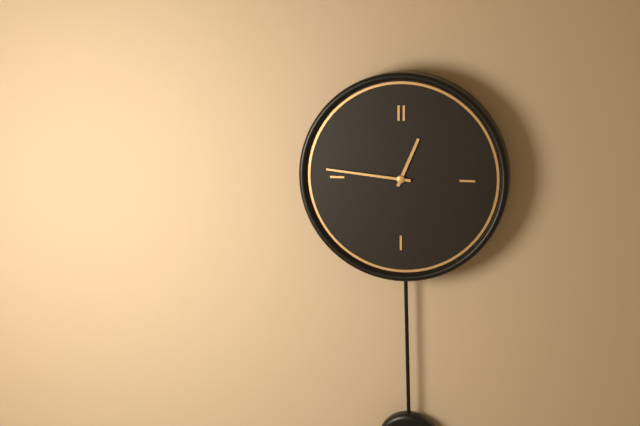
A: 12:46
